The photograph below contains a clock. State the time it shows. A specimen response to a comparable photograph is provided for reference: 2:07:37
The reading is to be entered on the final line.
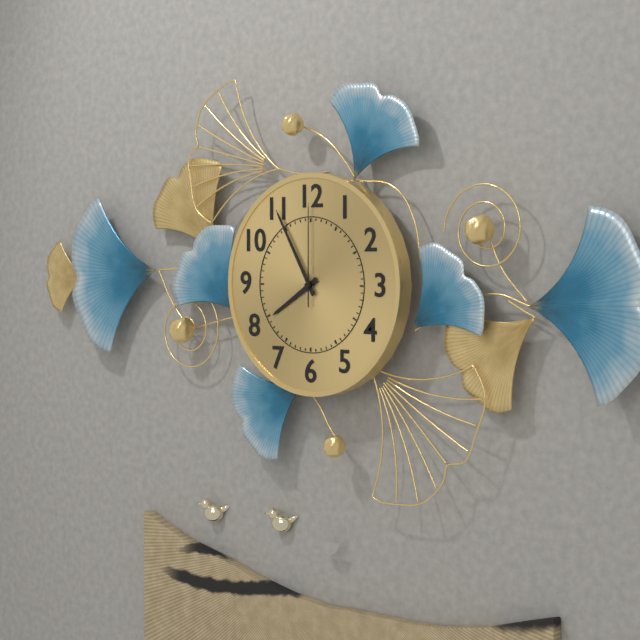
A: 7:55:00
